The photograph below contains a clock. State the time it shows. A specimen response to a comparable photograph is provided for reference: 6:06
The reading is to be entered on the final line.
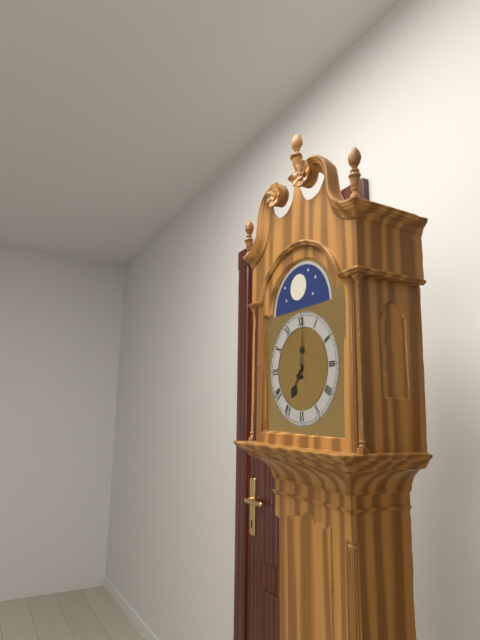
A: 7:01
